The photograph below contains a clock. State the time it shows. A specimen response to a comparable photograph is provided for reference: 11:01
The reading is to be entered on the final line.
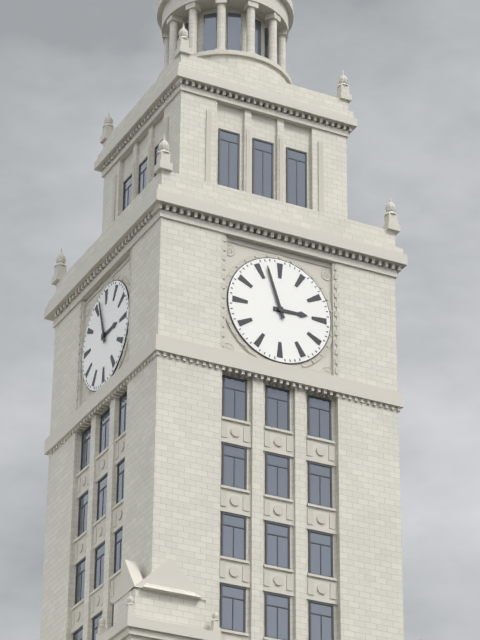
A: 2:57
